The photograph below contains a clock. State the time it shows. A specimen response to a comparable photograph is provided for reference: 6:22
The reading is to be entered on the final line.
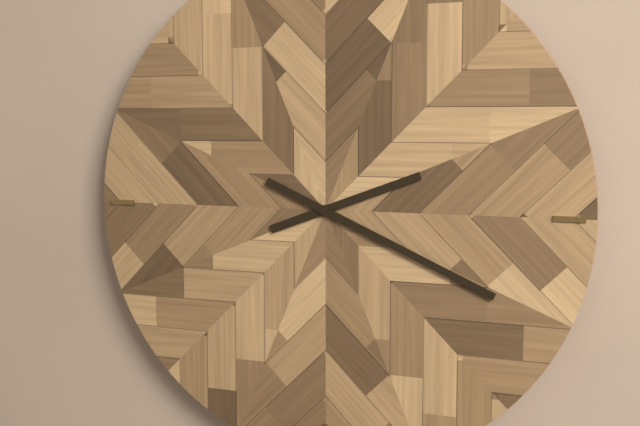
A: 2:19
